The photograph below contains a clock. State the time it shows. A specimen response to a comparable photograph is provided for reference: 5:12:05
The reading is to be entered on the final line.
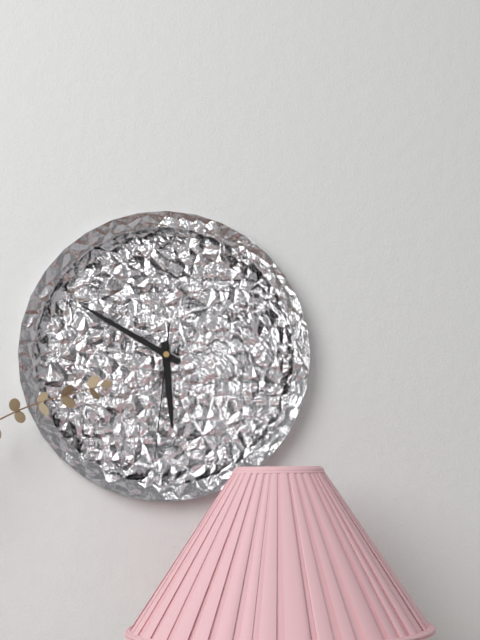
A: 5:50:31
